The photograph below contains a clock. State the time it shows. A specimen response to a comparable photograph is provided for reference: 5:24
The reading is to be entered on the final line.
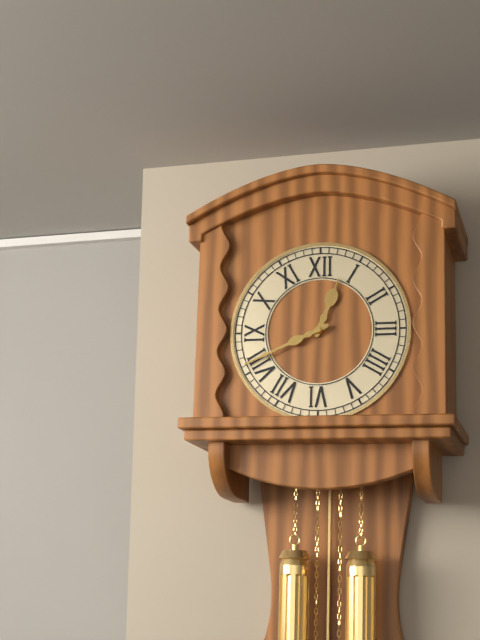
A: 12:41
